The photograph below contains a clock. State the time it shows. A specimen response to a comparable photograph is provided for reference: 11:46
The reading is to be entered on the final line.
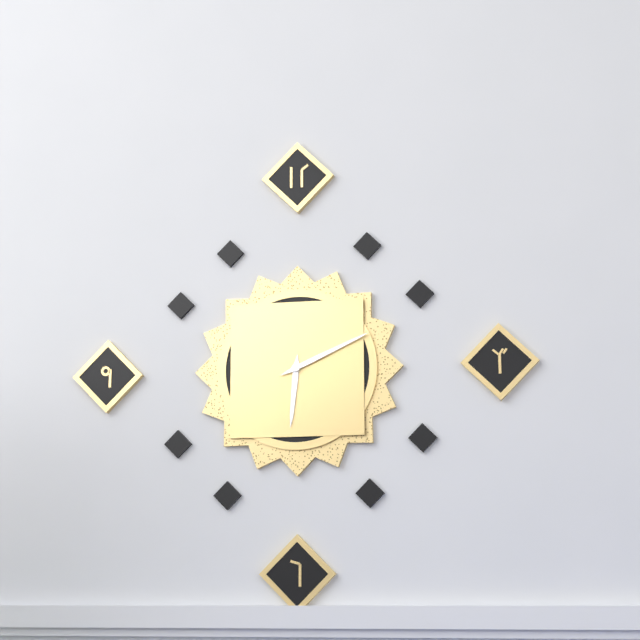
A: 6:11
